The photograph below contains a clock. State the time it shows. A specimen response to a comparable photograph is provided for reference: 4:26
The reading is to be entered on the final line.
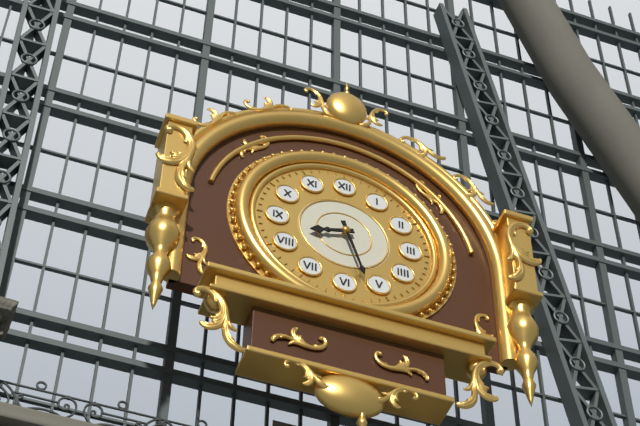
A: 8:27
